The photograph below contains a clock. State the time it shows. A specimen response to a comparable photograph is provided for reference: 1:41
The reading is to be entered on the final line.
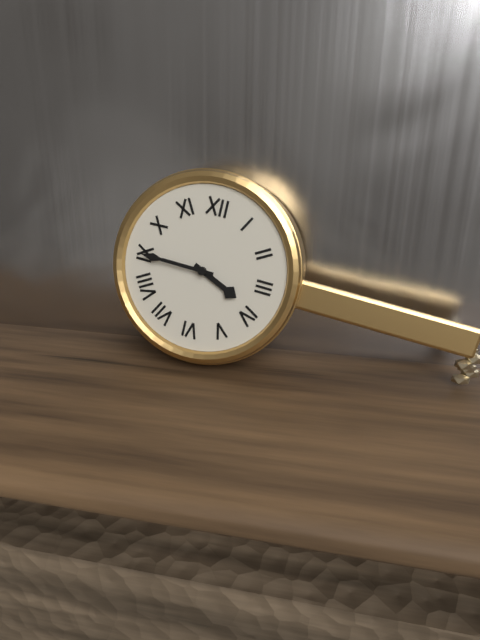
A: 3:45
